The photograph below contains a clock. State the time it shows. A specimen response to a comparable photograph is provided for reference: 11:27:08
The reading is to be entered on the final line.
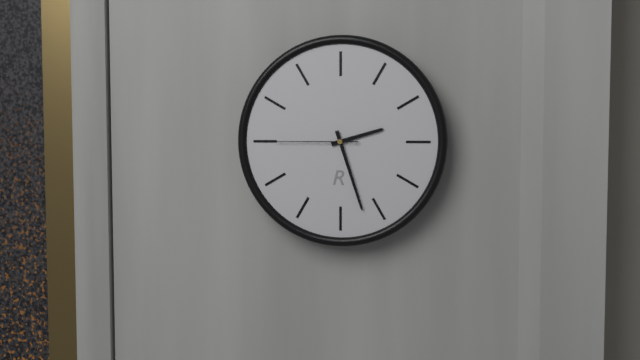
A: 2:27:45
